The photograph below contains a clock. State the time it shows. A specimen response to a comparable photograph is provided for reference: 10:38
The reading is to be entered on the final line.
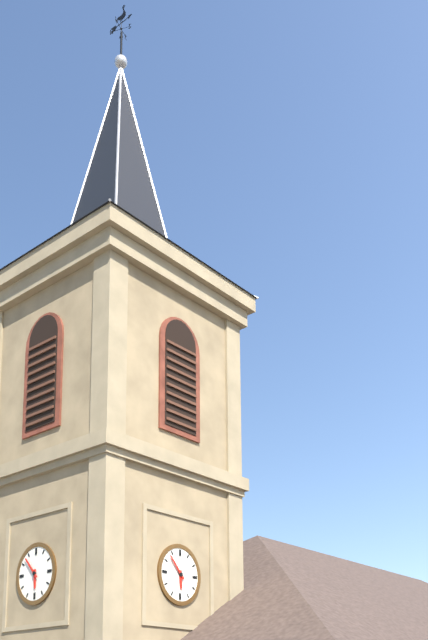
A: 5:53
